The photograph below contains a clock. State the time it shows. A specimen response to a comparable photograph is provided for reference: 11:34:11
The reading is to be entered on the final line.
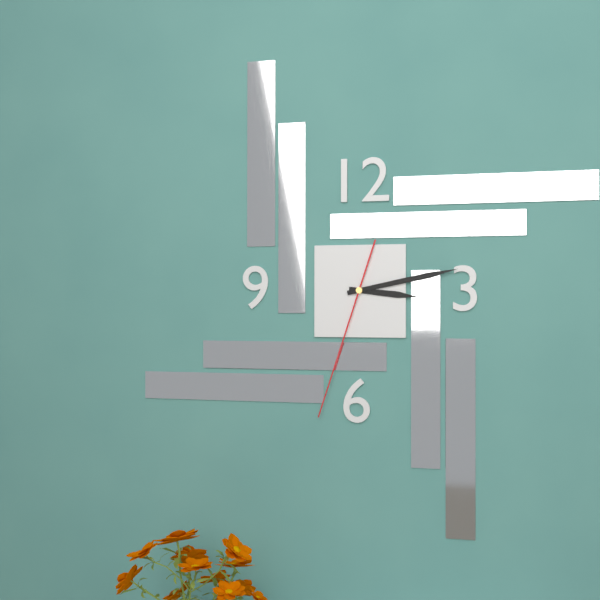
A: 3:13:33
